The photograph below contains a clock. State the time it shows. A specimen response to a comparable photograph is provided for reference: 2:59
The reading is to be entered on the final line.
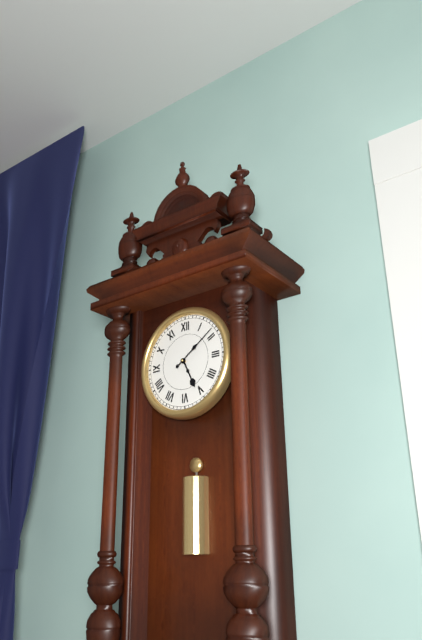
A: 5:09
